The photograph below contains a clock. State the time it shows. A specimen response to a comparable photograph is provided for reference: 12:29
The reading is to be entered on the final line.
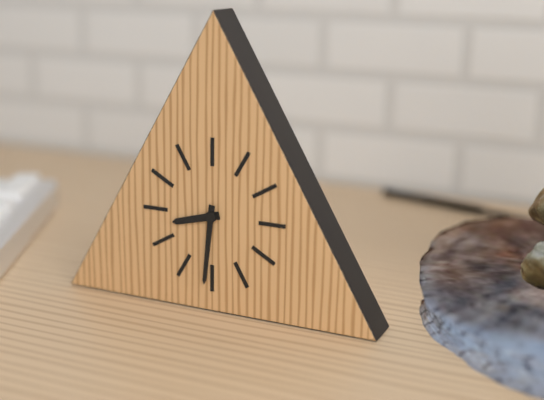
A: 8:31
